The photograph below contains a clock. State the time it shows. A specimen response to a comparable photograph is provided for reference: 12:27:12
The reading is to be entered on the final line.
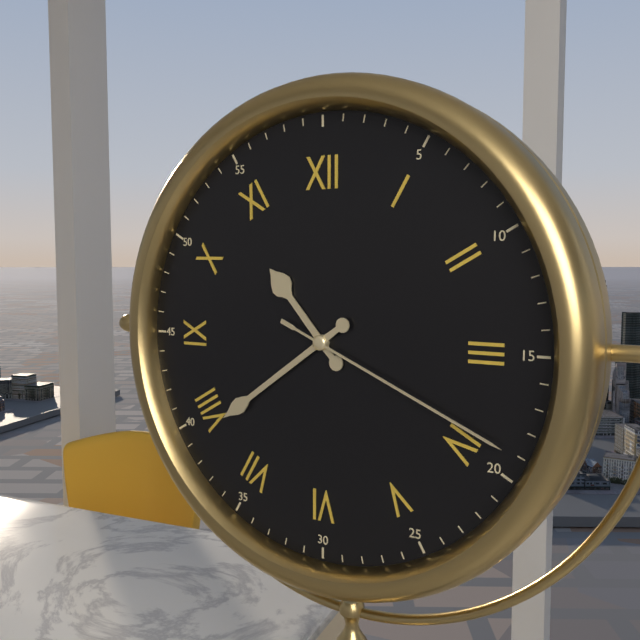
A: 10:39:19
